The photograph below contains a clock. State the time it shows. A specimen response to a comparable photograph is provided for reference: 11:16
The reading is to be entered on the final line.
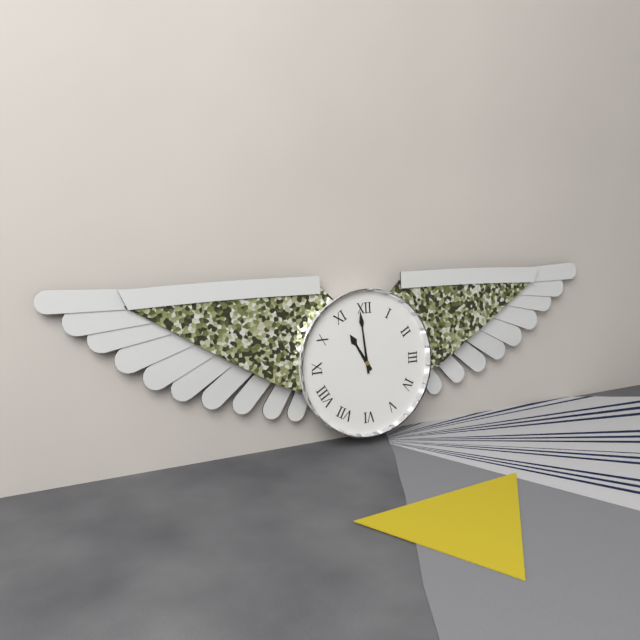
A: 10:59
